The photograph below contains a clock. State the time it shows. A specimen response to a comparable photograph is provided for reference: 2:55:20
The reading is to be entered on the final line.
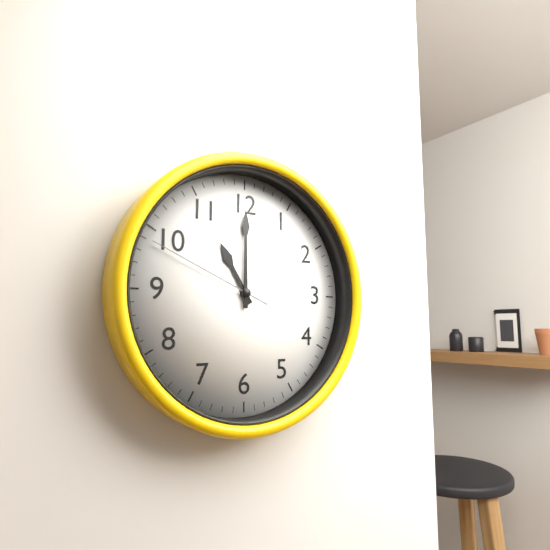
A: 11:00:49
